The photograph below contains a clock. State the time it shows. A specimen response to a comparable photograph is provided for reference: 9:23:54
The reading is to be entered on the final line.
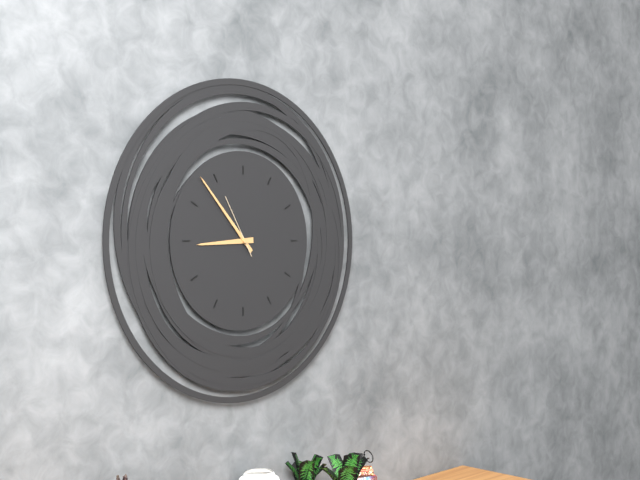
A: 8:53:55
